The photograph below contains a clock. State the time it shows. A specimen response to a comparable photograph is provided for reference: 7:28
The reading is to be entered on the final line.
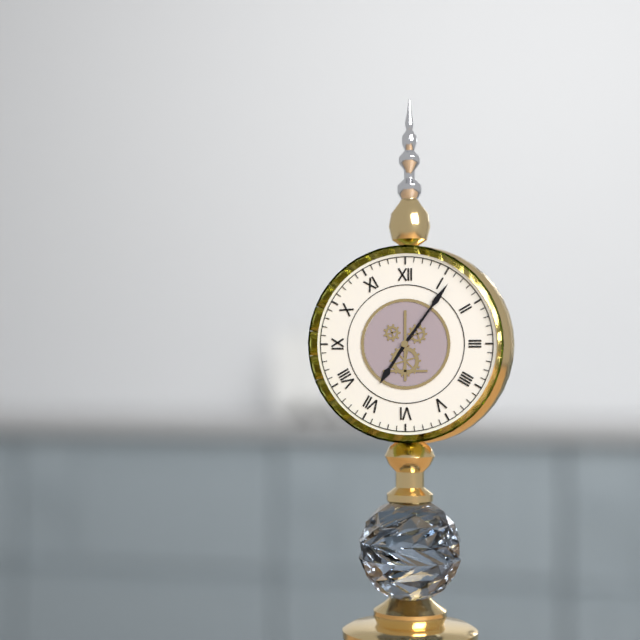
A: 7:06
